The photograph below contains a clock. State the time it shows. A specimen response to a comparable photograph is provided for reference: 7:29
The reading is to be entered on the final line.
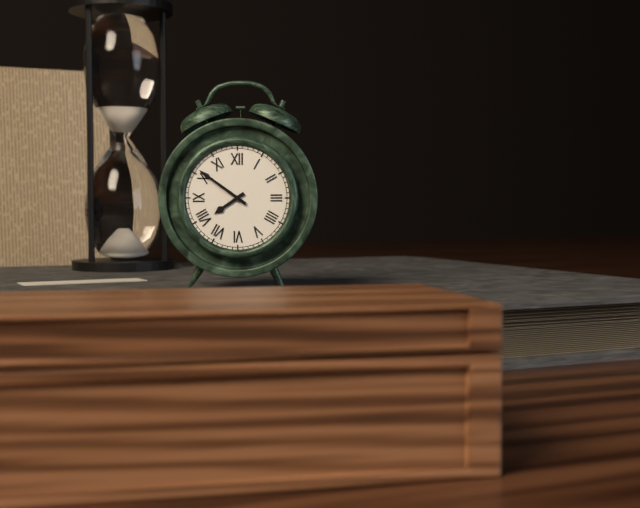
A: 7:51
